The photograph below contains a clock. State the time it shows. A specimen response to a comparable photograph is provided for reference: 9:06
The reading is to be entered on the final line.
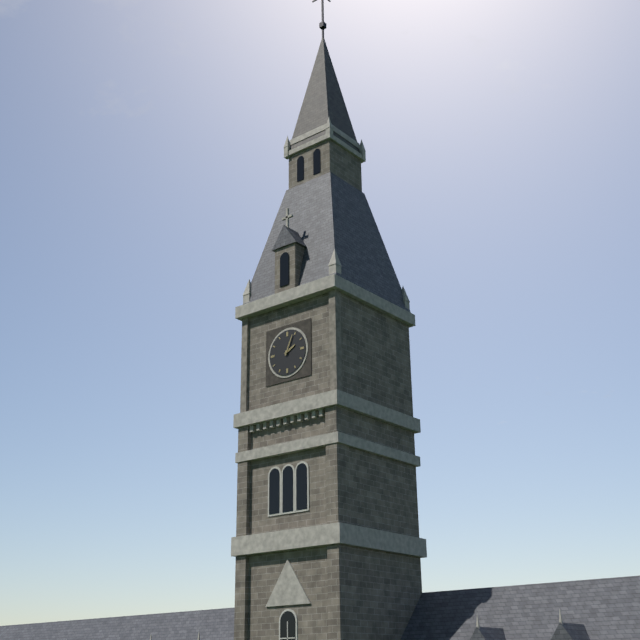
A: 2:04
